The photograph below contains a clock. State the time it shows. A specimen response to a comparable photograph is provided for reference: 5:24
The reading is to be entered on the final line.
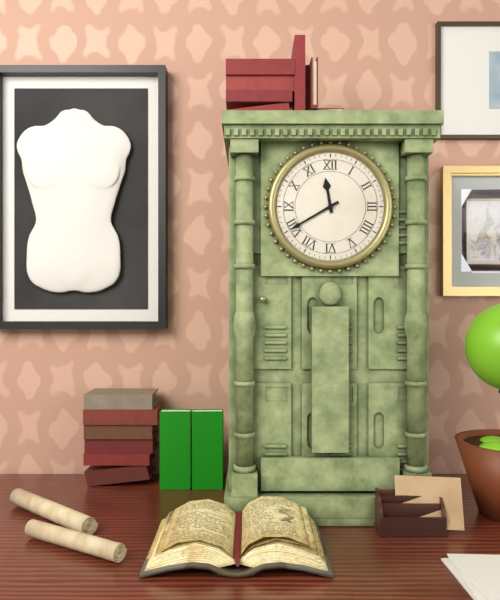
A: 11:40
